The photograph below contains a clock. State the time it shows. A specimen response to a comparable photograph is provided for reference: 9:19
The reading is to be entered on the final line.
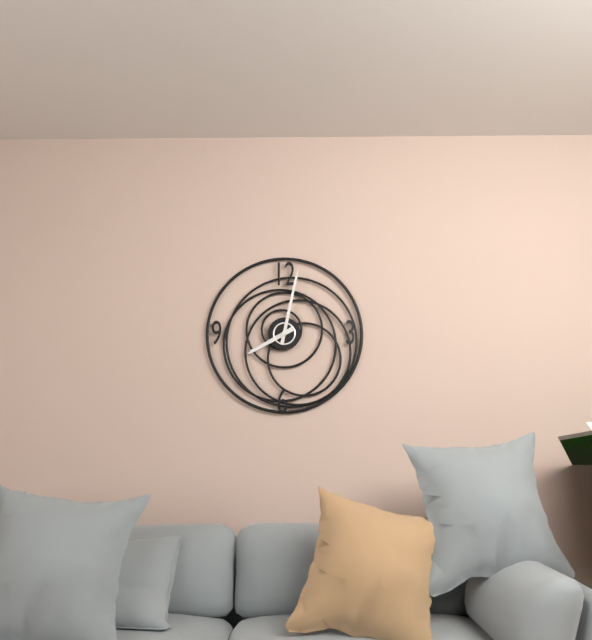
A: 8:02
